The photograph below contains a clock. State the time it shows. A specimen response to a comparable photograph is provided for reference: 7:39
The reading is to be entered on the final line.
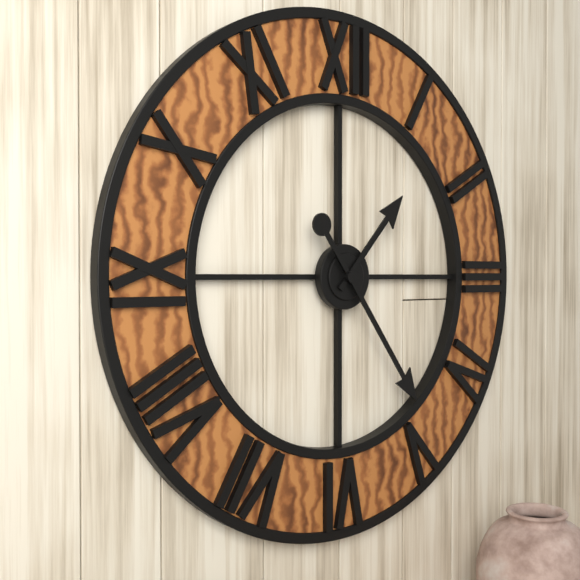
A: 1:24
